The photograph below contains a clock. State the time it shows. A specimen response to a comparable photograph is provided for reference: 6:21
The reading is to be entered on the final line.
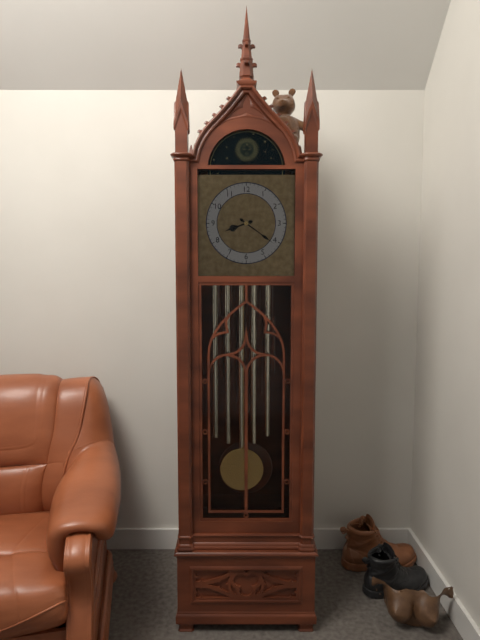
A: 8:21
